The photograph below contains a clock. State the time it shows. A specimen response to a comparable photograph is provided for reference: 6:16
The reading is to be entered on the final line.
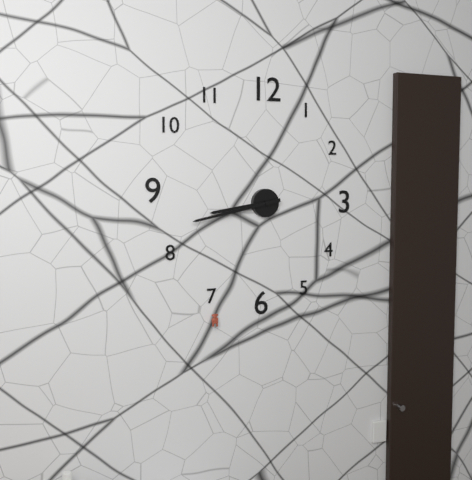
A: 8:43
